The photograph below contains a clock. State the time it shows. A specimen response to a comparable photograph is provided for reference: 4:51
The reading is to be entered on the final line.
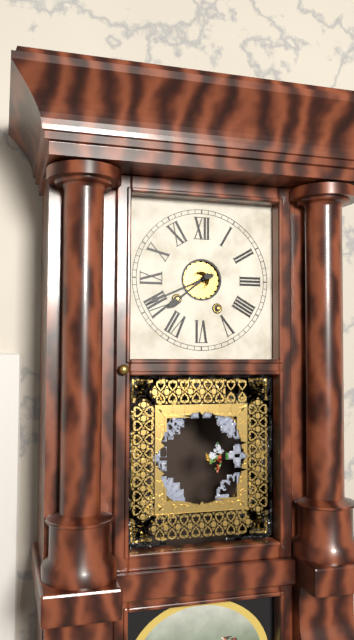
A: 7:41
